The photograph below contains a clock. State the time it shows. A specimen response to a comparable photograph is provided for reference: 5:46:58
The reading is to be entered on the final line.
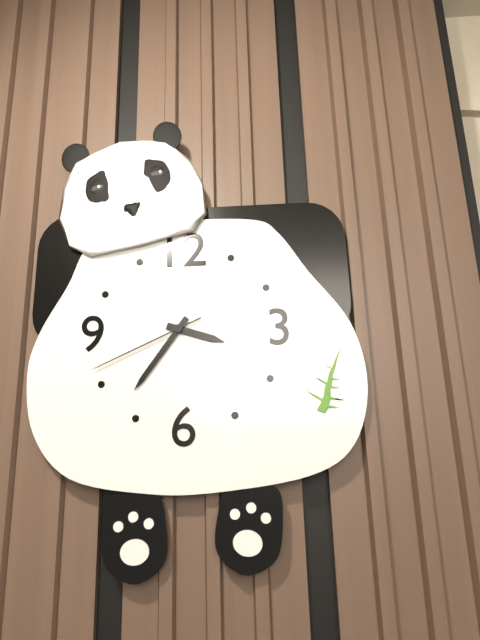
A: 3:36:41
